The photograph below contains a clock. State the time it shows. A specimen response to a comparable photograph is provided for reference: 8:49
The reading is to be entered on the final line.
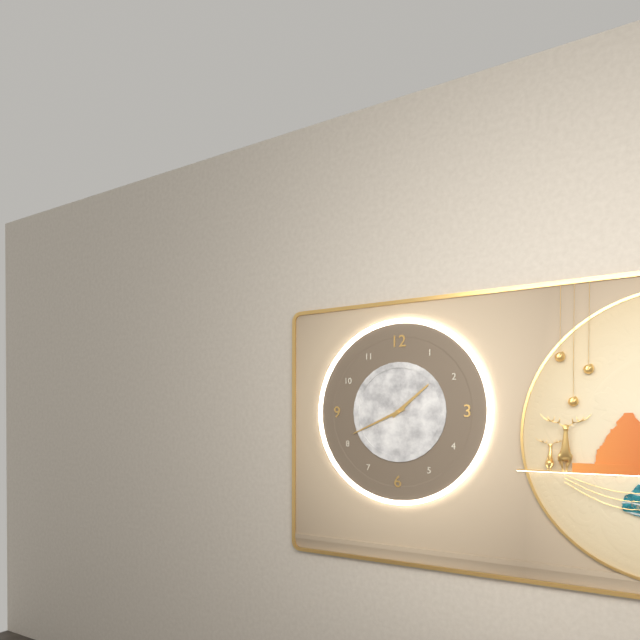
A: 1:41
